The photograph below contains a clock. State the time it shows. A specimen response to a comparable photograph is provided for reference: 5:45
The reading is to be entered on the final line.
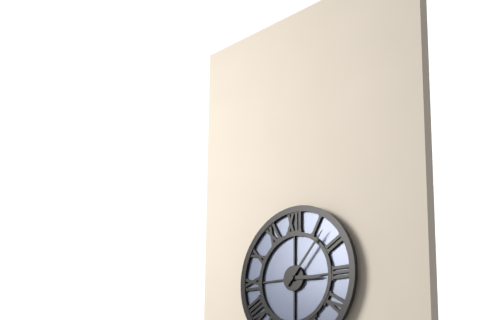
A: 3:07
